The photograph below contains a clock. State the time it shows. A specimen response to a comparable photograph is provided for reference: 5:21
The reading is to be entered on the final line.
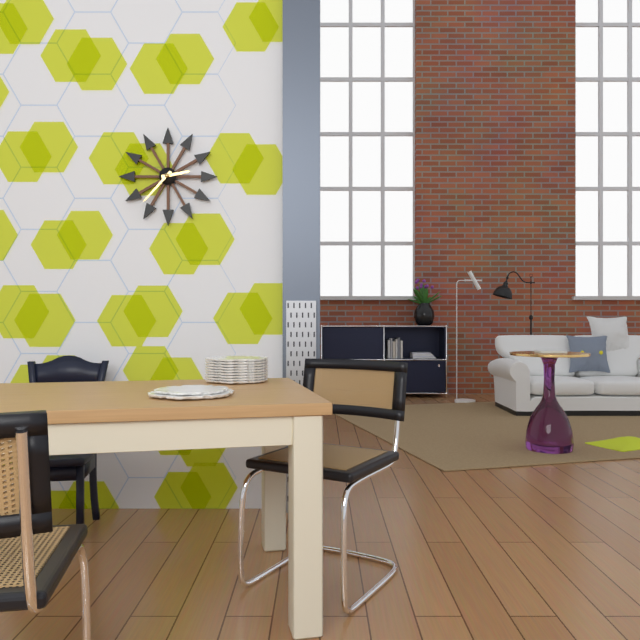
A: 2:37
